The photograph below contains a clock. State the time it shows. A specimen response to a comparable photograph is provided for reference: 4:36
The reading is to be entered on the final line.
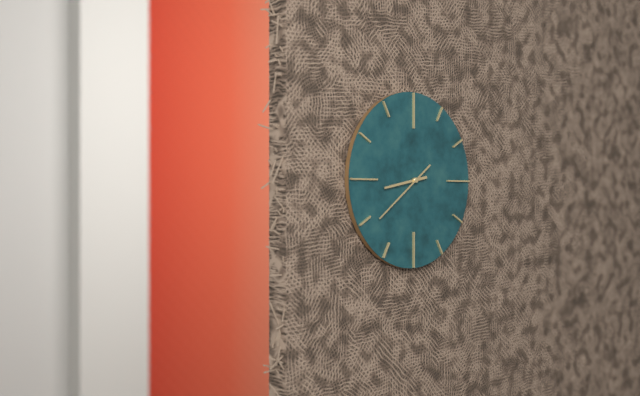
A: 8:39
